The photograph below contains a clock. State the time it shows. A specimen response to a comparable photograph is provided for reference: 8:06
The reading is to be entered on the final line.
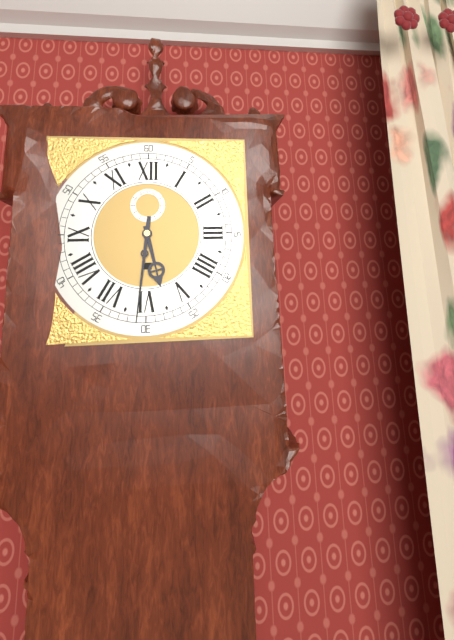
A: 5:31
